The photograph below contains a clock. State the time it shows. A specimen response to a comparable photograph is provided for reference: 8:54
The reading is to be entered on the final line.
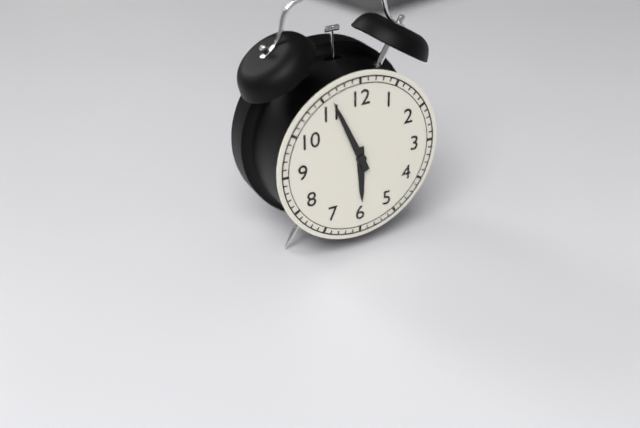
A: 5:56
